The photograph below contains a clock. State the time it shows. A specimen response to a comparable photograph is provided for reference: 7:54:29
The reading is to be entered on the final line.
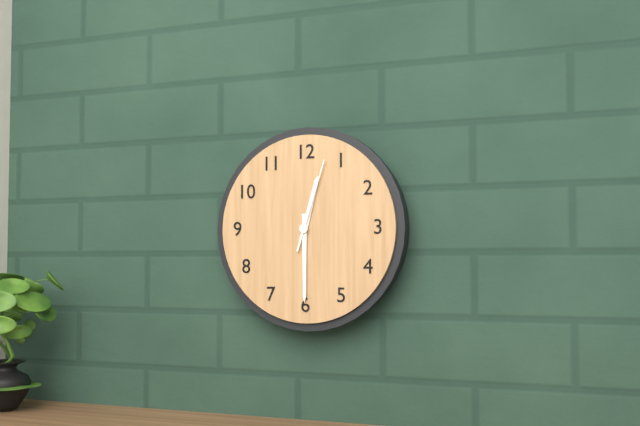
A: 12:30:03
